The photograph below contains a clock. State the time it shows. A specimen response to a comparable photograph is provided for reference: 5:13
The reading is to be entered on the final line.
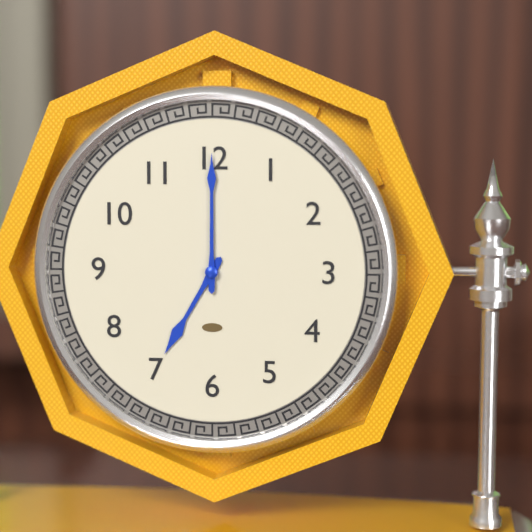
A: 7:00
